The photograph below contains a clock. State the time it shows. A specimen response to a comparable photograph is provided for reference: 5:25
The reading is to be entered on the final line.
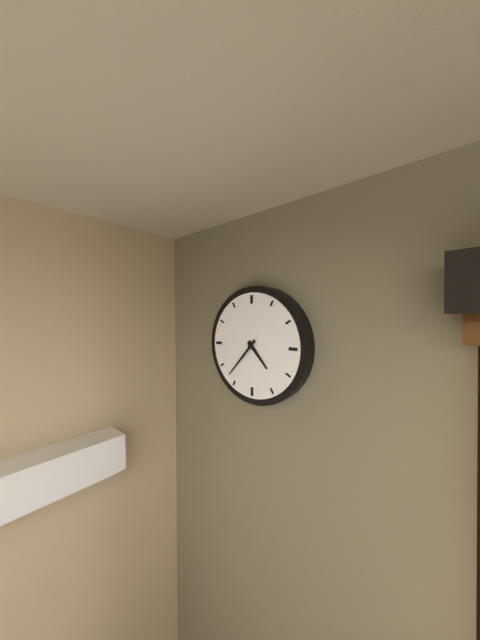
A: 4:37
